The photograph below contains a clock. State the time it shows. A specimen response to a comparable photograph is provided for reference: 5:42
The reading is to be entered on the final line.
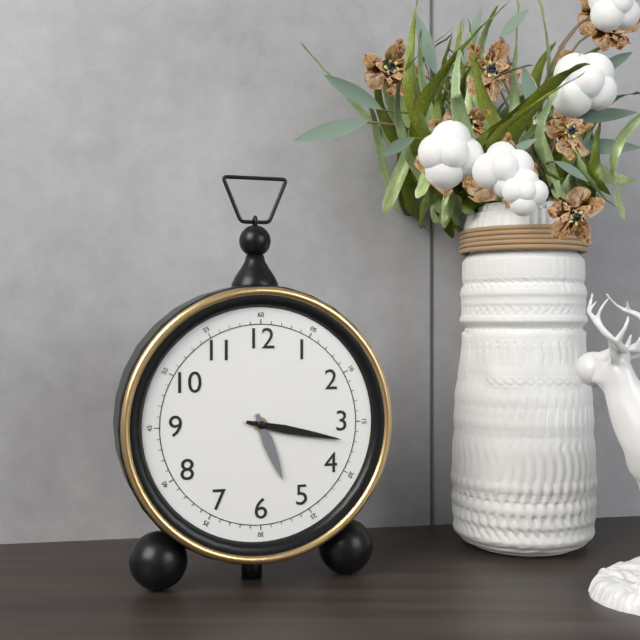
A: 5:17
